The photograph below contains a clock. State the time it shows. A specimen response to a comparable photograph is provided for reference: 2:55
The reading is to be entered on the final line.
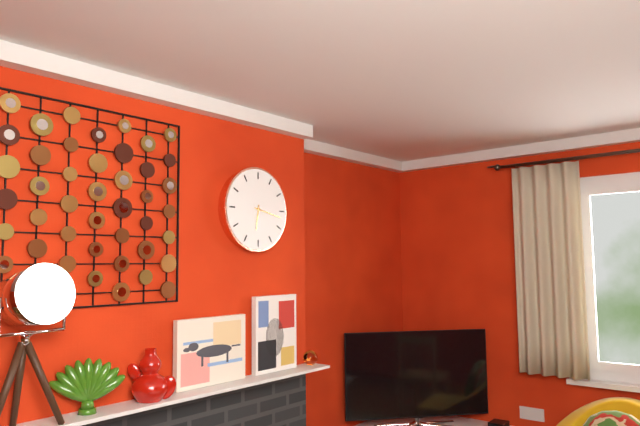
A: 6:17
